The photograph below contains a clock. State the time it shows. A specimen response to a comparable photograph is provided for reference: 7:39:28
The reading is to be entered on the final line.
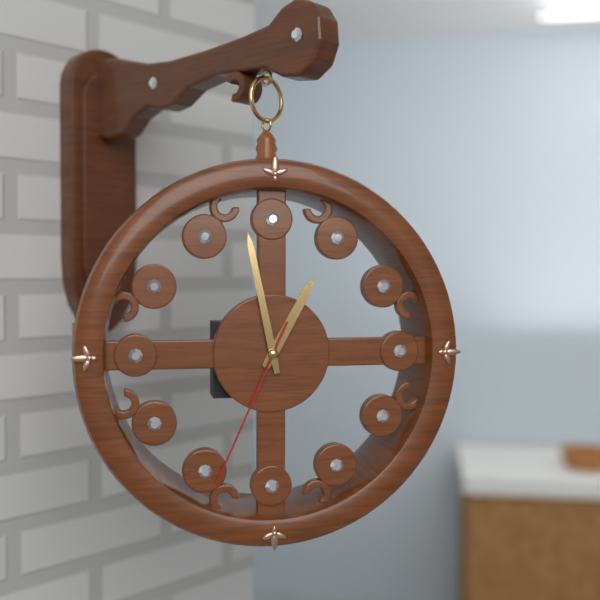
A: 12:58:34
